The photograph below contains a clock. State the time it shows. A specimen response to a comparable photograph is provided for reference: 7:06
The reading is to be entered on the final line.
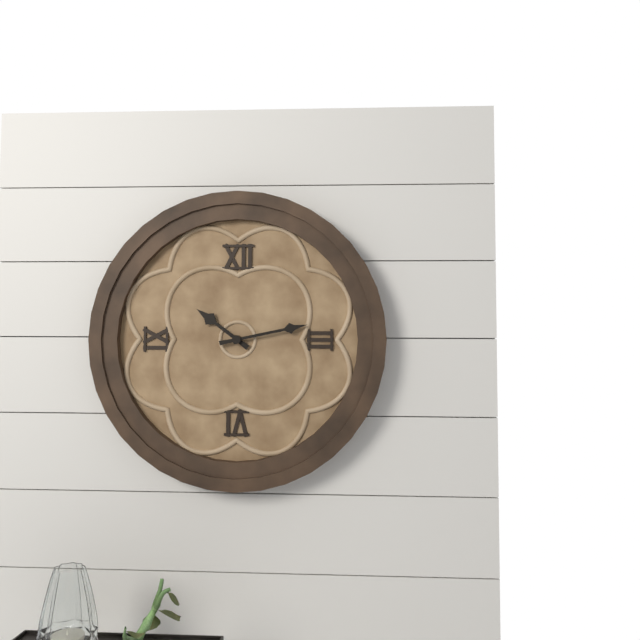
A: 10:13
